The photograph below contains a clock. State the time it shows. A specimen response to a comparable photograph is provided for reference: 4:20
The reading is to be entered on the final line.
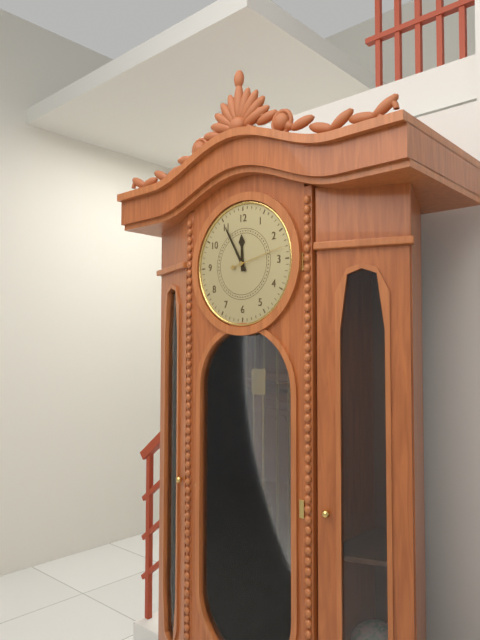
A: 11:55
